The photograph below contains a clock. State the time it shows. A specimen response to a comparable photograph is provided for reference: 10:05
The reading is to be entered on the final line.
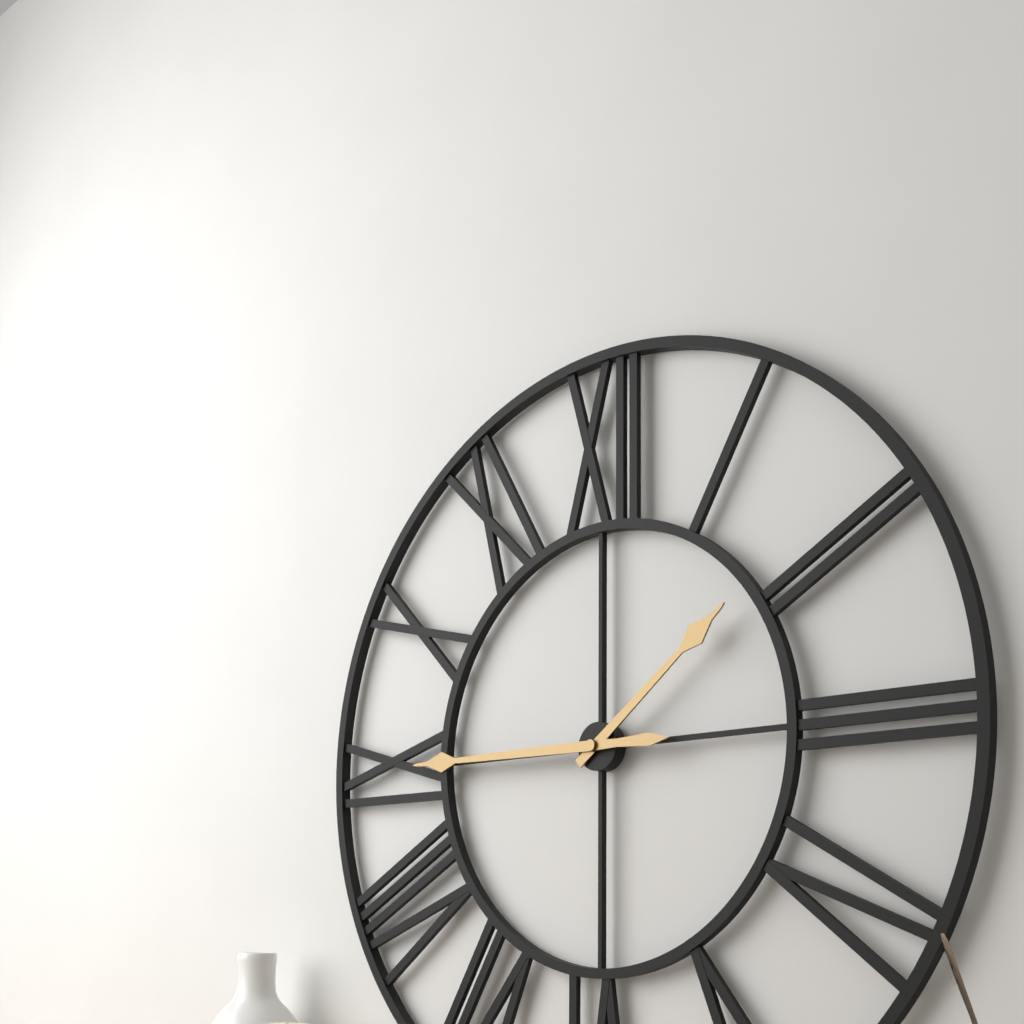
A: 1:45
